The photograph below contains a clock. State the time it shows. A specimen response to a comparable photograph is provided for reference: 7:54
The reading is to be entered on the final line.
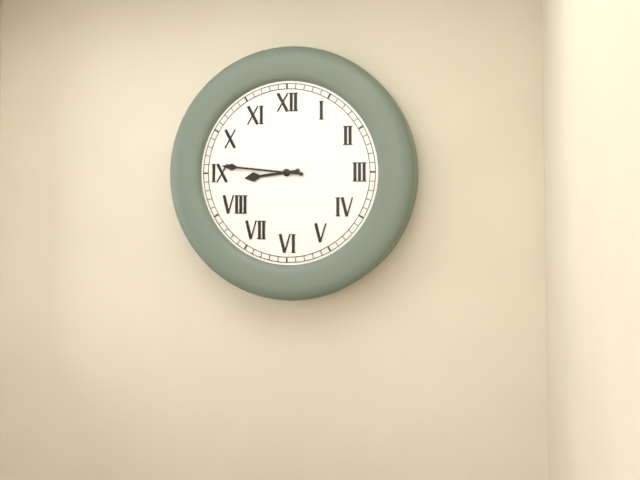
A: 8:46
